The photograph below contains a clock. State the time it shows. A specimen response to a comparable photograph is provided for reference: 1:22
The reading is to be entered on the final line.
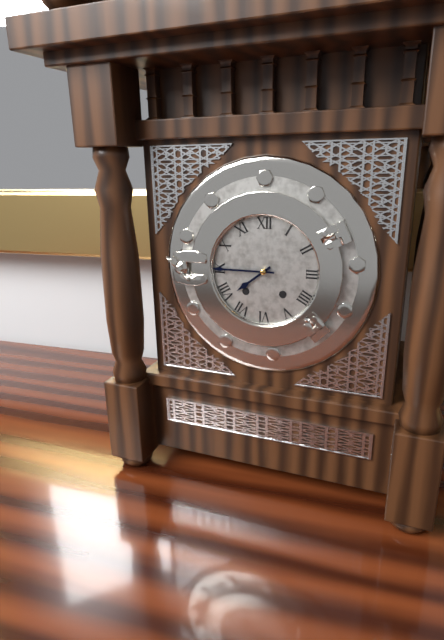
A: 7:45
